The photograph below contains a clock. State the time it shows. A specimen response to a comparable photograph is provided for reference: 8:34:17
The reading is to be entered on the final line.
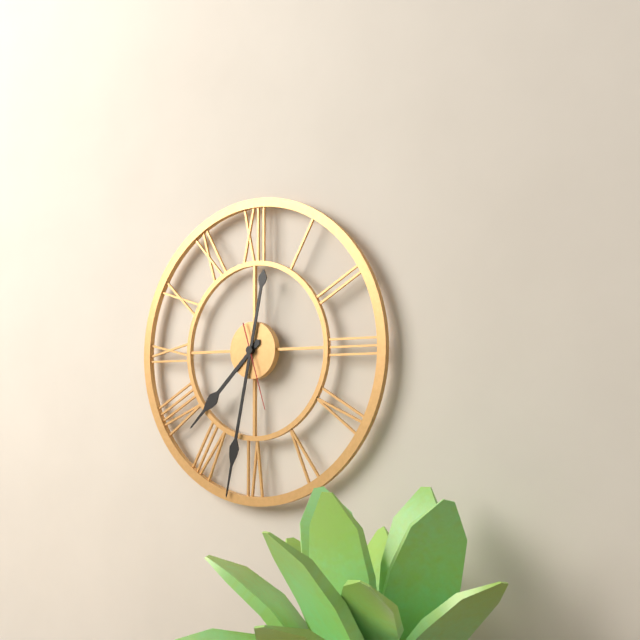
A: 7:32:27
